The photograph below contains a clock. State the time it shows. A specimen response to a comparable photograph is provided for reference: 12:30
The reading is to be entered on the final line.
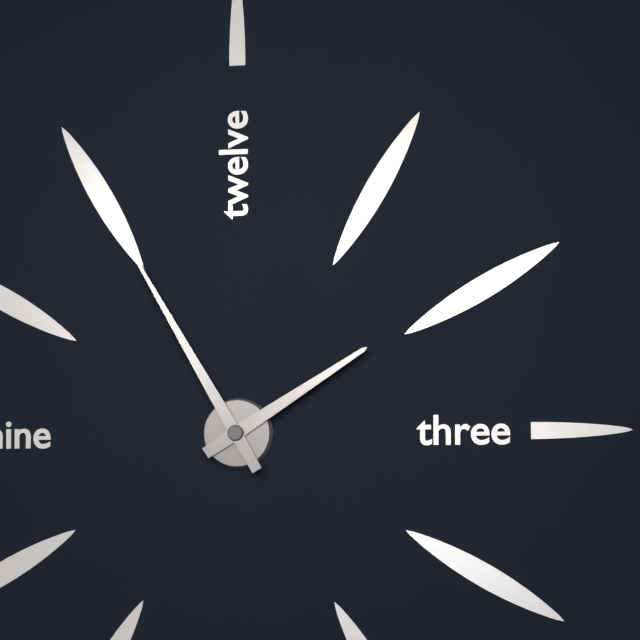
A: 1:55
